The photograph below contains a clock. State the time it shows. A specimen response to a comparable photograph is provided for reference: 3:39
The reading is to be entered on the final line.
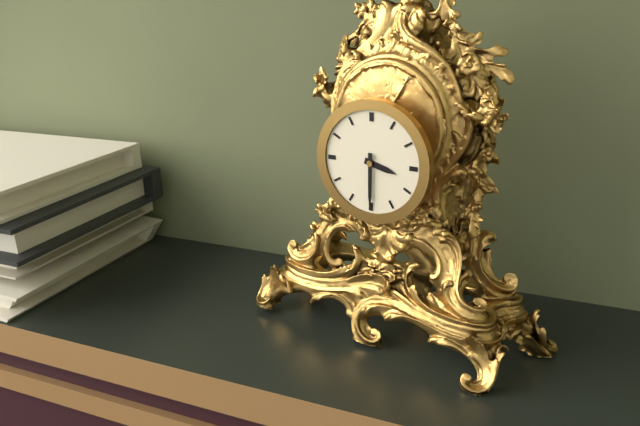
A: 3:30
